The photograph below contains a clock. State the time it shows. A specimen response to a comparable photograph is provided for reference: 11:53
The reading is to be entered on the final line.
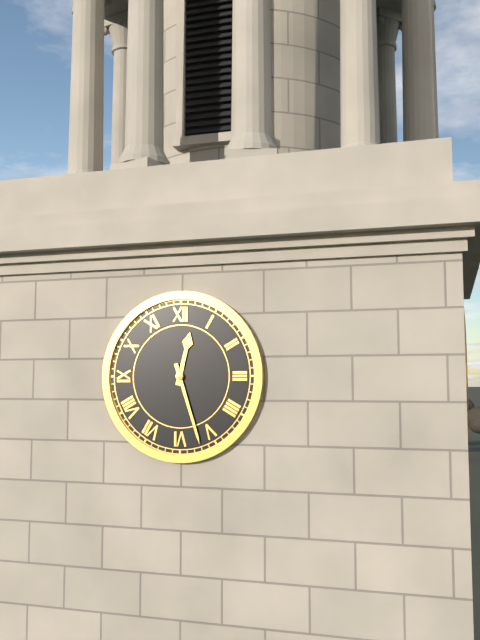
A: 12:27
